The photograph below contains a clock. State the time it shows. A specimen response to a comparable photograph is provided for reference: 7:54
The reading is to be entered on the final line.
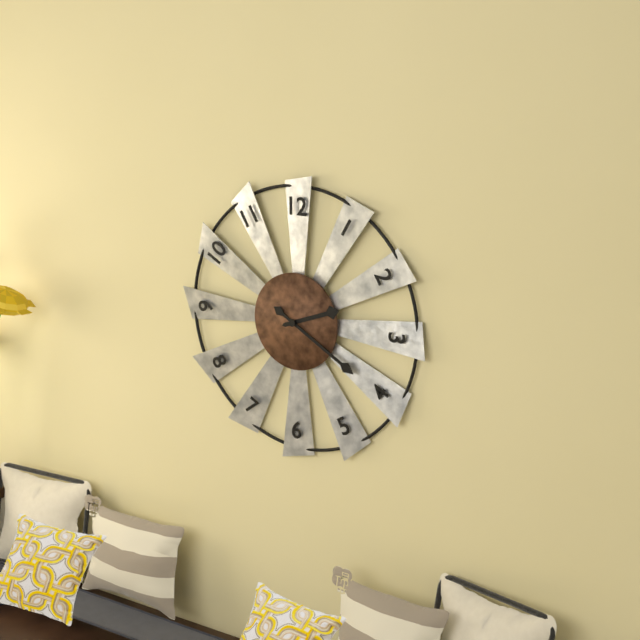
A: 2:20
